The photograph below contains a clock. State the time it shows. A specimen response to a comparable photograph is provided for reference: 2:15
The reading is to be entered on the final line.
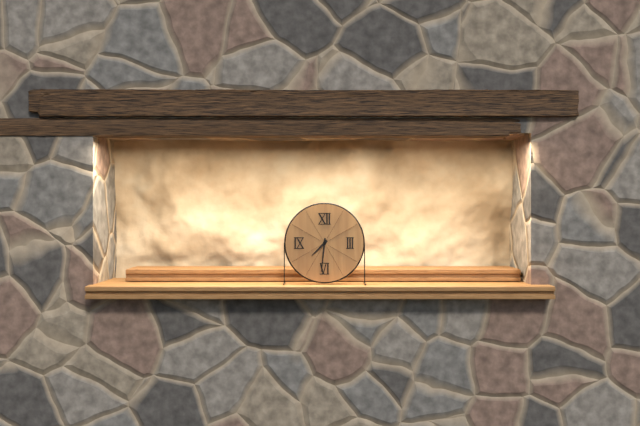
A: 7:31
